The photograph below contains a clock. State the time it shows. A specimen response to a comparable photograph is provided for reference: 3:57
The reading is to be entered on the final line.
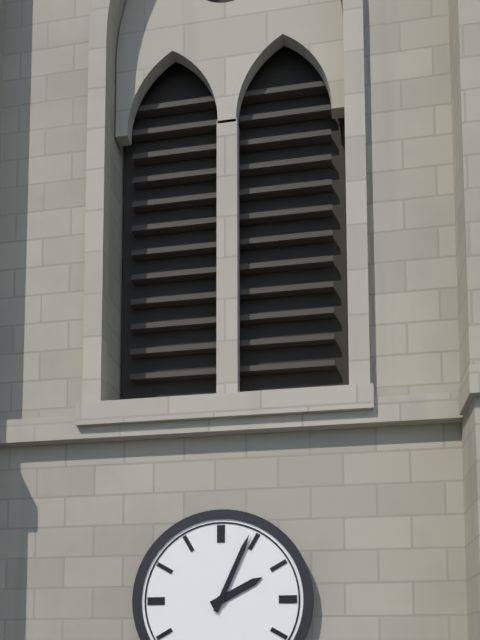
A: 2:04
